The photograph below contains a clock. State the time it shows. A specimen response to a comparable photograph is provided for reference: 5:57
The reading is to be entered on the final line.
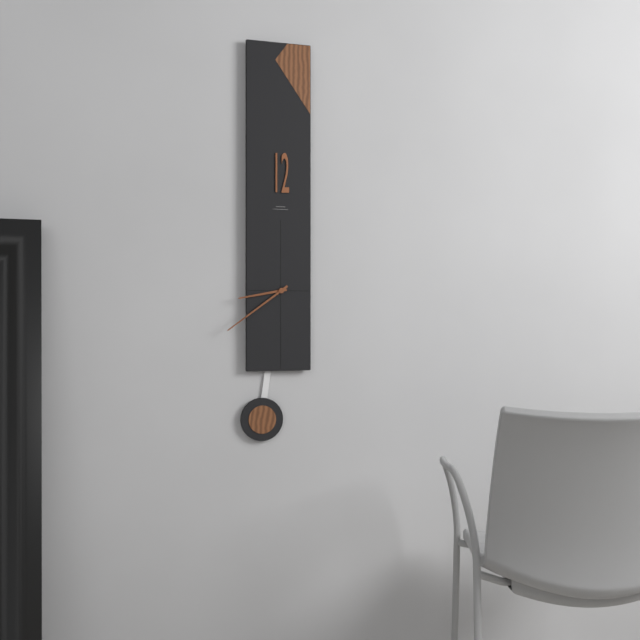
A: 8:39
